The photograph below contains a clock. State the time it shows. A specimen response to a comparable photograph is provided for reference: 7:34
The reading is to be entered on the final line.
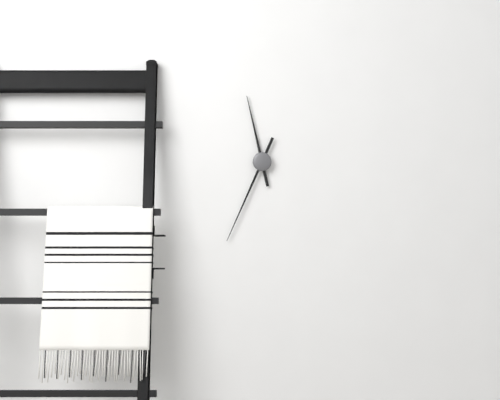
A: 11:34
